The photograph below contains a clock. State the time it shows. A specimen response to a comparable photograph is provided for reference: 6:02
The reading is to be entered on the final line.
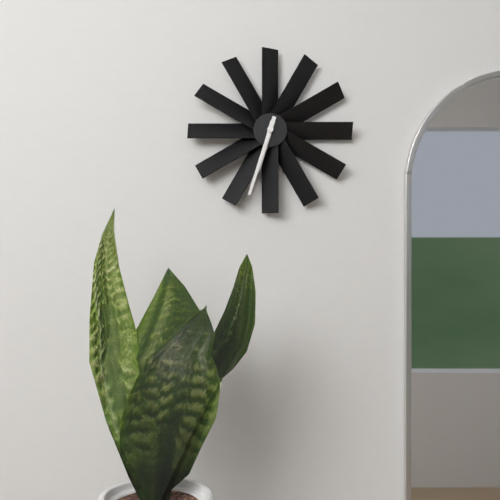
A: 6:33
